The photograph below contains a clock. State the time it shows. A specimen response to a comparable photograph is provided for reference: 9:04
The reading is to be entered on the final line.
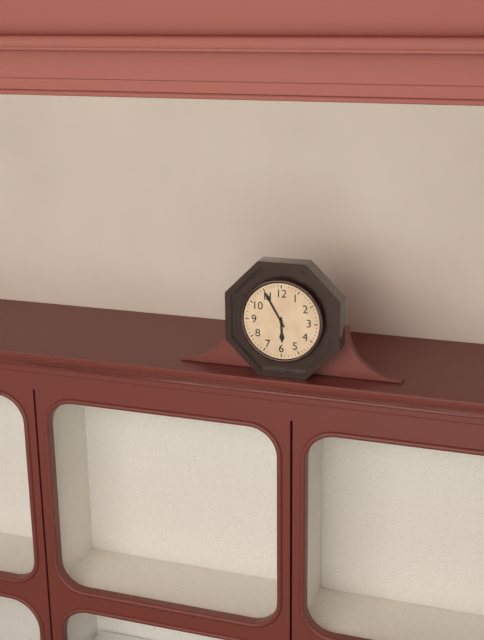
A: 5:55
